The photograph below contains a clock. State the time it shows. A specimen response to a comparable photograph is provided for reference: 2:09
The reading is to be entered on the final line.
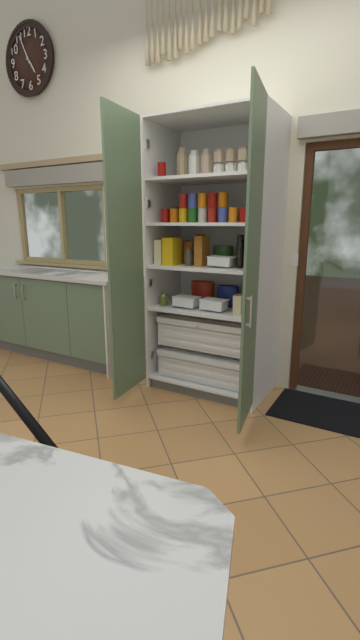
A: 4:56
